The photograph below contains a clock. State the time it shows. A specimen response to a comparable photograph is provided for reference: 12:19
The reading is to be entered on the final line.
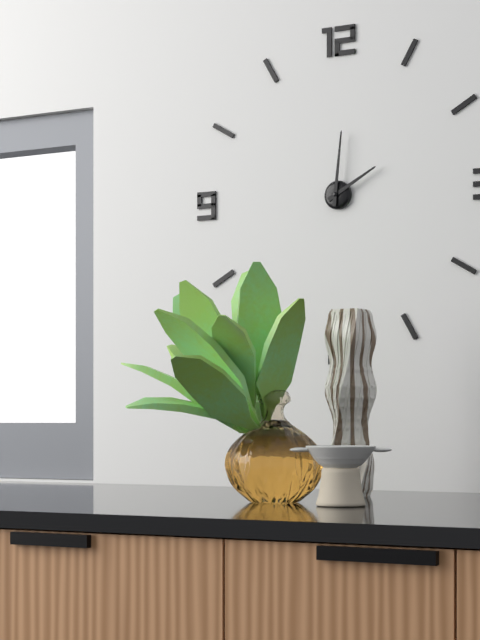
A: 2:01
